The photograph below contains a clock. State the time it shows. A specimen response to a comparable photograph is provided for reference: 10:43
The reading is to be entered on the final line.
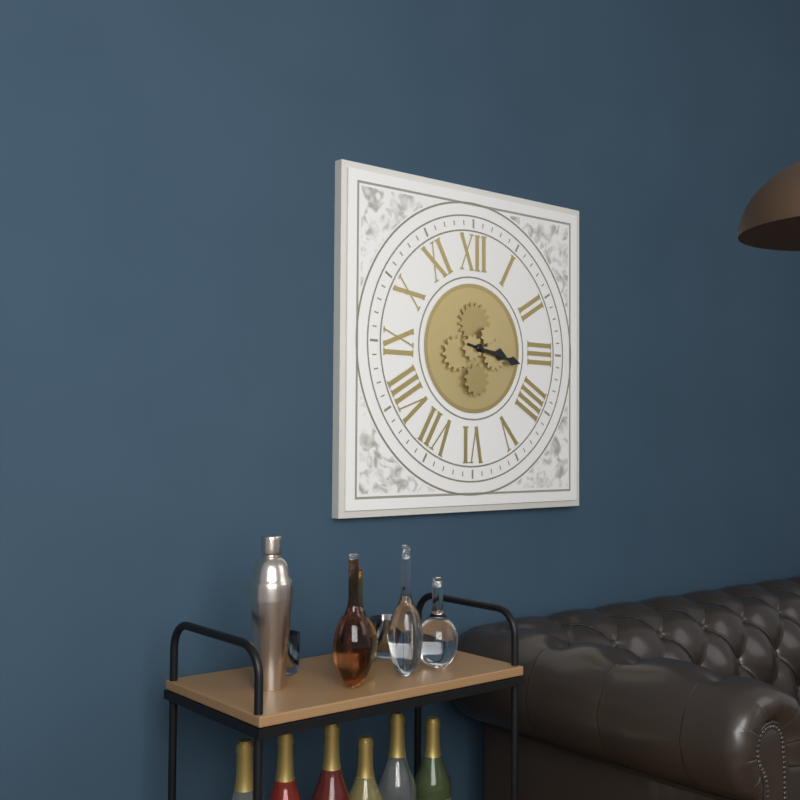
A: 3:17
